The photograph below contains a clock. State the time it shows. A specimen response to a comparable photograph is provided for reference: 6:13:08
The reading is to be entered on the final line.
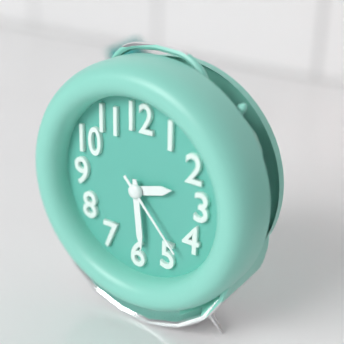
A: 2:29:23
